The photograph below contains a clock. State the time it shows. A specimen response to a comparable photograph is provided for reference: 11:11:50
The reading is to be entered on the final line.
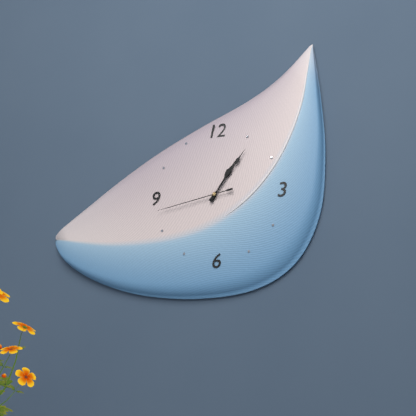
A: 1:06:43
